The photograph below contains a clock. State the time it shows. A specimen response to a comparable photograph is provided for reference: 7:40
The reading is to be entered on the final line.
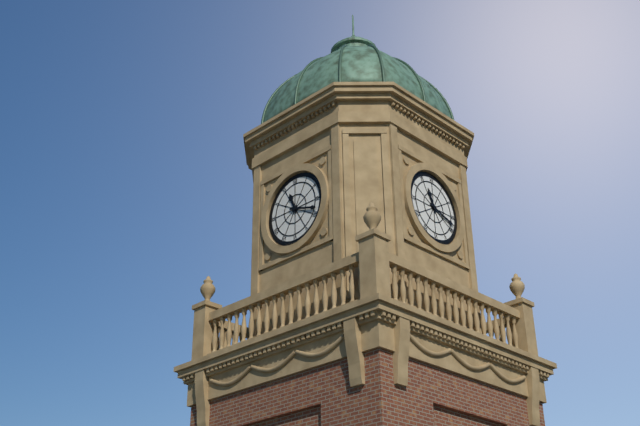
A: 11:18
